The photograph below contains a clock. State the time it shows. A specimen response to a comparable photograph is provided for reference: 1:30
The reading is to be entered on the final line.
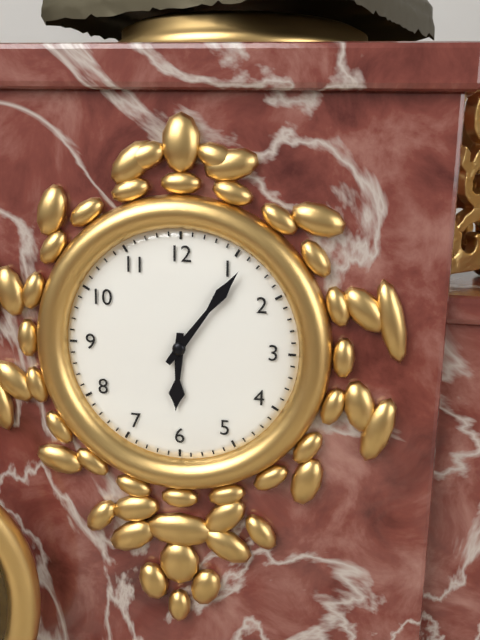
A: 6:06
